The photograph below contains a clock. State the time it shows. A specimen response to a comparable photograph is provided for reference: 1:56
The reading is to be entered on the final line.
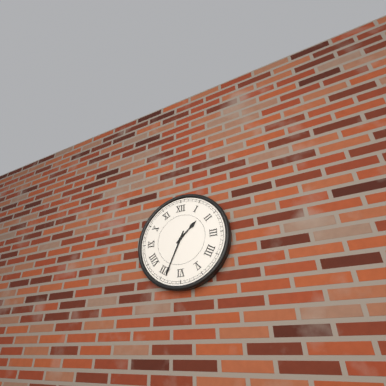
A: 1:34
